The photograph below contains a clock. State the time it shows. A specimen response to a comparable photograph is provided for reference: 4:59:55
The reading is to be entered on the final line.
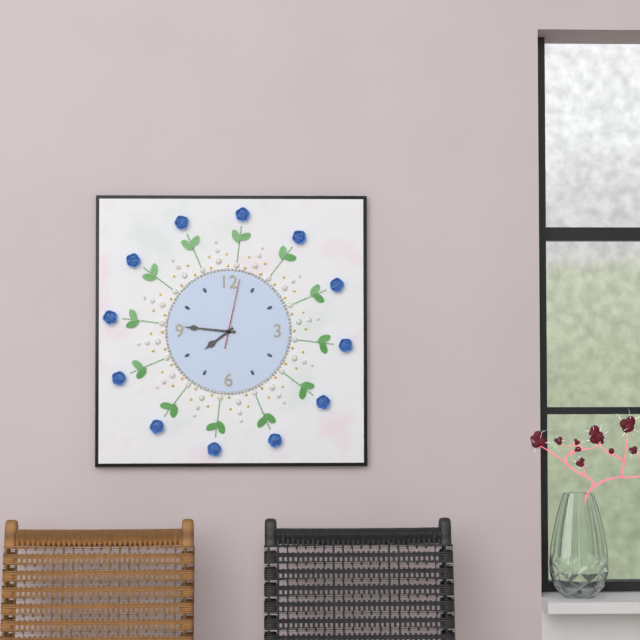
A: 7:46:02
